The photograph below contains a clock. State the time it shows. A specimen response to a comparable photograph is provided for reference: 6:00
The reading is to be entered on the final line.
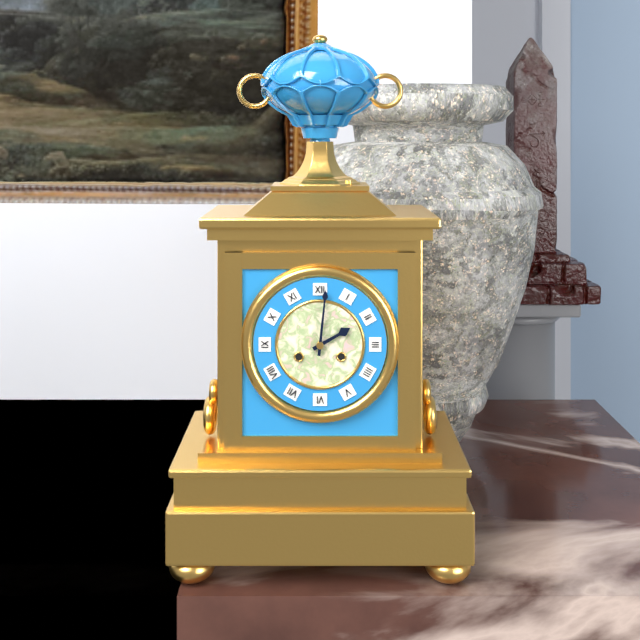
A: 2:01
